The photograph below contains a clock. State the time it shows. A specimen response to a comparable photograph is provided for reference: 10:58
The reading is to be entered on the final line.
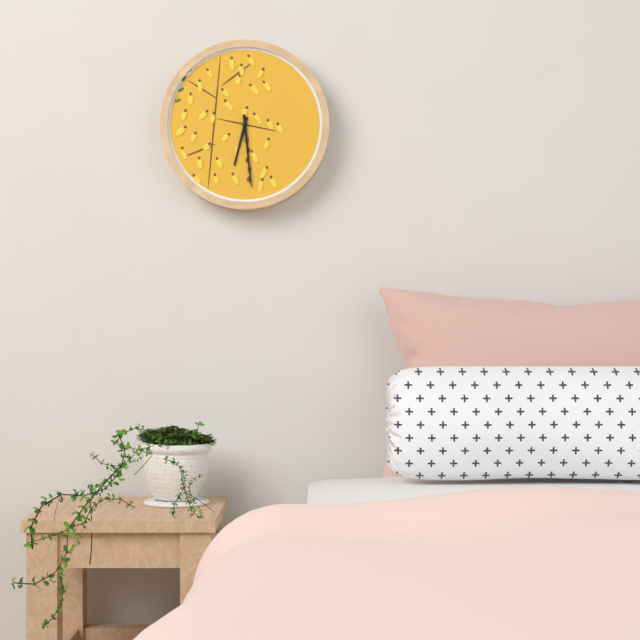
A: 6:29
